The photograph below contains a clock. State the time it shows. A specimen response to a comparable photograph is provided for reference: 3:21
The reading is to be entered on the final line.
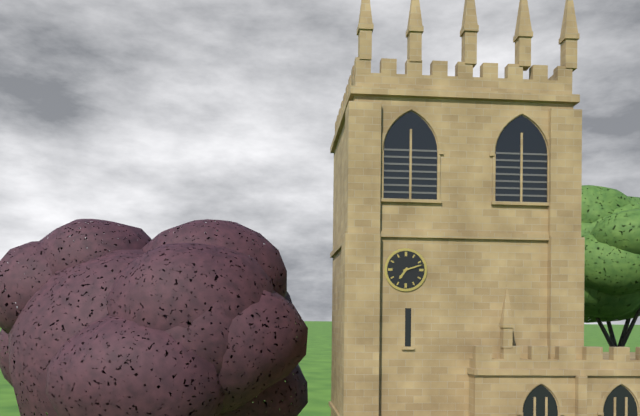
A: 7:12
